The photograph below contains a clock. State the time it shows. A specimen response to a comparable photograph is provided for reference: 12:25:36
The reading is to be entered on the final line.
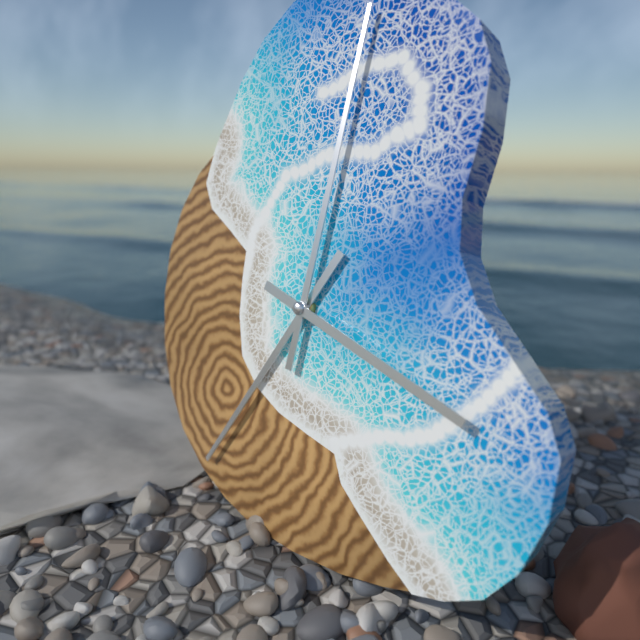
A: 7:01:18
